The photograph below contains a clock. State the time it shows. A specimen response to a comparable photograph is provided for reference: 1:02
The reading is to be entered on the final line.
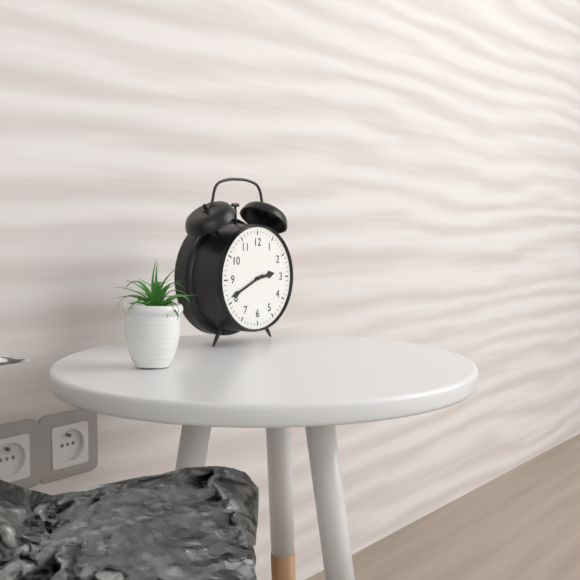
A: 2:41
